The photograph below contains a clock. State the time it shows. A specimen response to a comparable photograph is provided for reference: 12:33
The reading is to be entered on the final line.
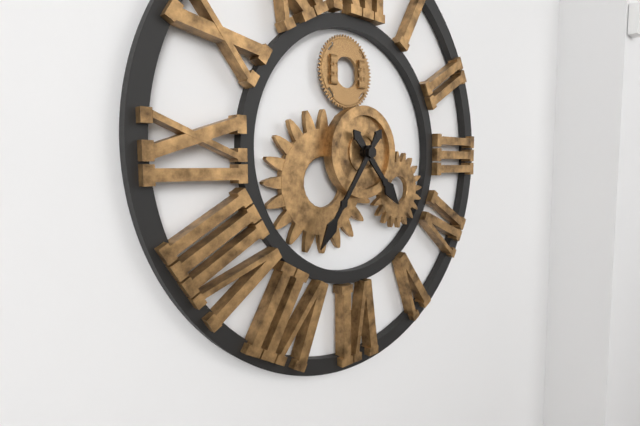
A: 4:36
